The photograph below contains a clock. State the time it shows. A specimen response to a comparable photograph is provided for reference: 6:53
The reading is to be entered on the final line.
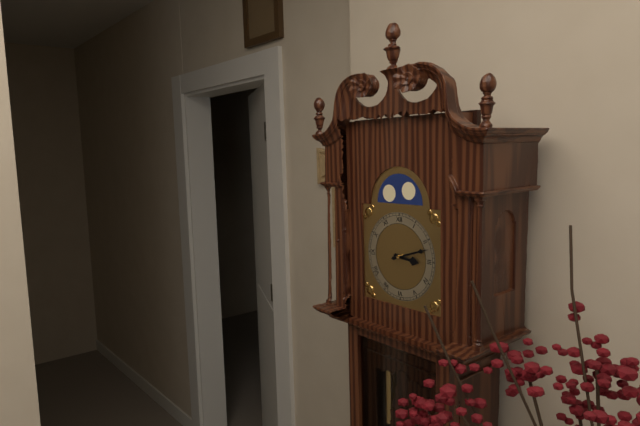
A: 3:12
